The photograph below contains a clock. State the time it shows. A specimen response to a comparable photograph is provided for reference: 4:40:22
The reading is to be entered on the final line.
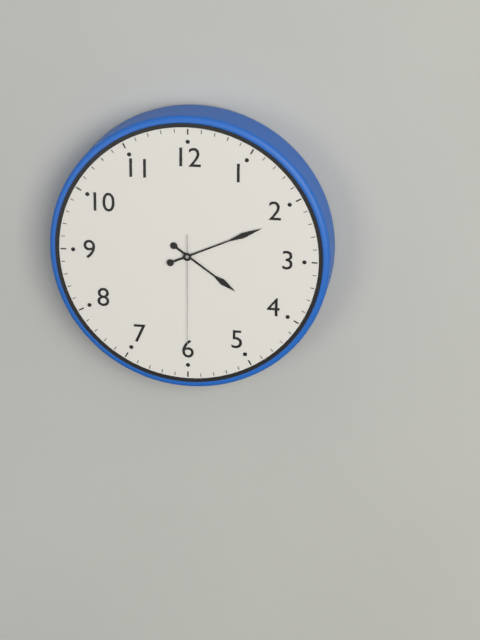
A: 4:11:30
